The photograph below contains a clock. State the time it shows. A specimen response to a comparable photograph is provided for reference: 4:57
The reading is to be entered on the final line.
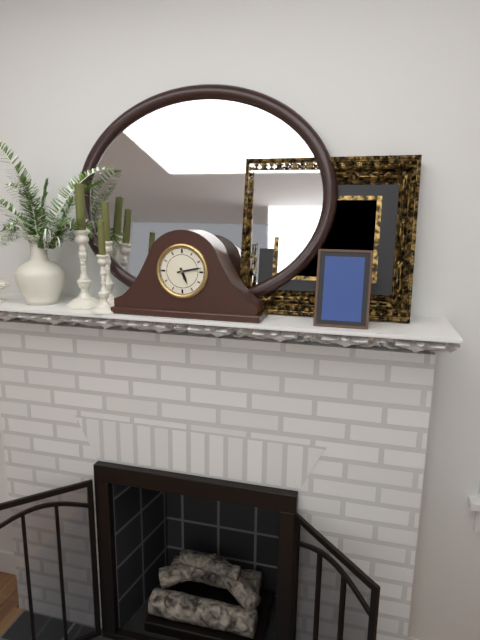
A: 5:13
